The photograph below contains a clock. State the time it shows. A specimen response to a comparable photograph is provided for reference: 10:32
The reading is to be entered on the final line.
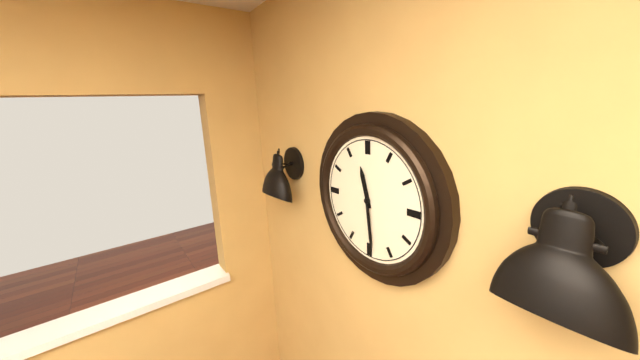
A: 11:29
